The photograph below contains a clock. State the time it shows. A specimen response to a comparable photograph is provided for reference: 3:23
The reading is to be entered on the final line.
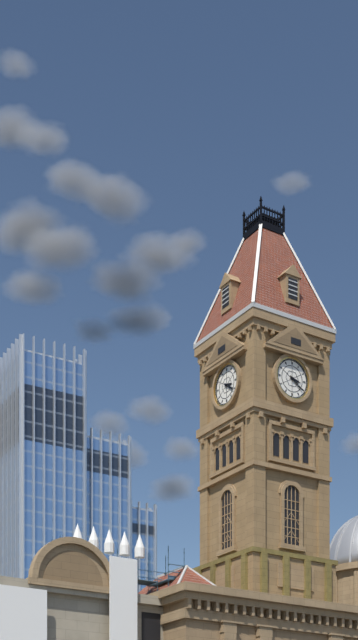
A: 3:21
